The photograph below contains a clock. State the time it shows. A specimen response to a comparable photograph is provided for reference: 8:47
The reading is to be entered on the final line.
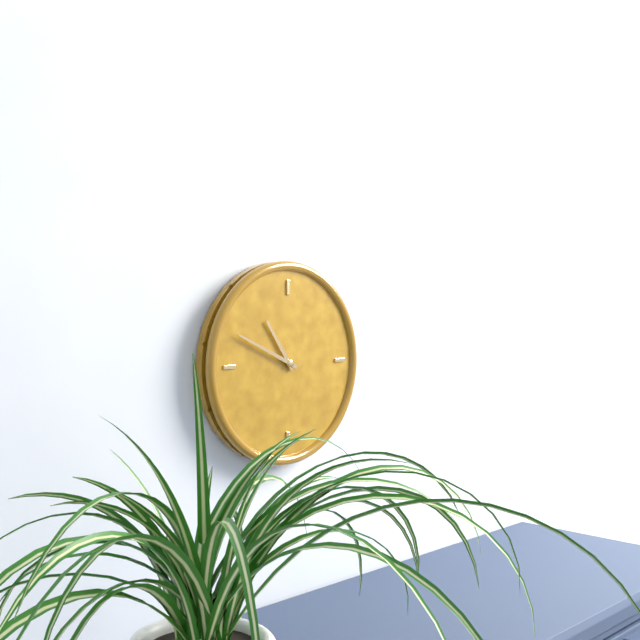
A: 10:49
